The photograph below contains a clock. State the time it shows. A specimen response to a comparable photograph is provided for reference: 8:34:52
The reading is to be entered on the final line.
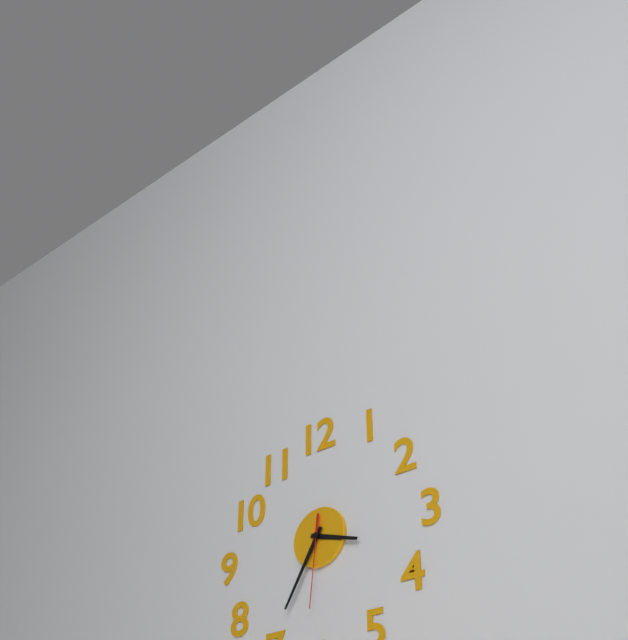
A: 3:35:31
